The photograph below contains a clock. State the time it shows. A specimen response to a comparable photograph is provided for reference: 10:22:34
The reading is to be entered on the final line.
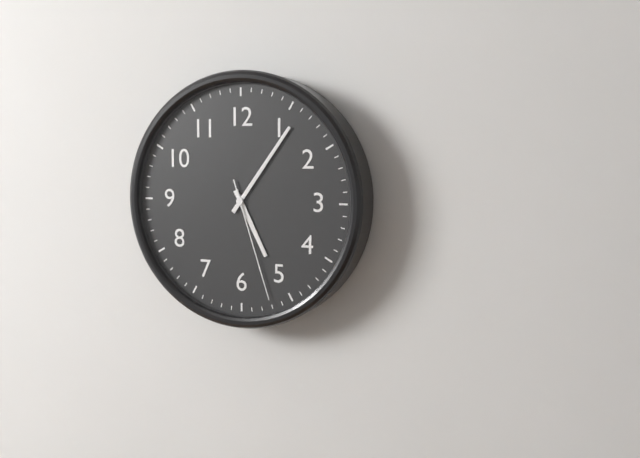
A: 5:06:27
